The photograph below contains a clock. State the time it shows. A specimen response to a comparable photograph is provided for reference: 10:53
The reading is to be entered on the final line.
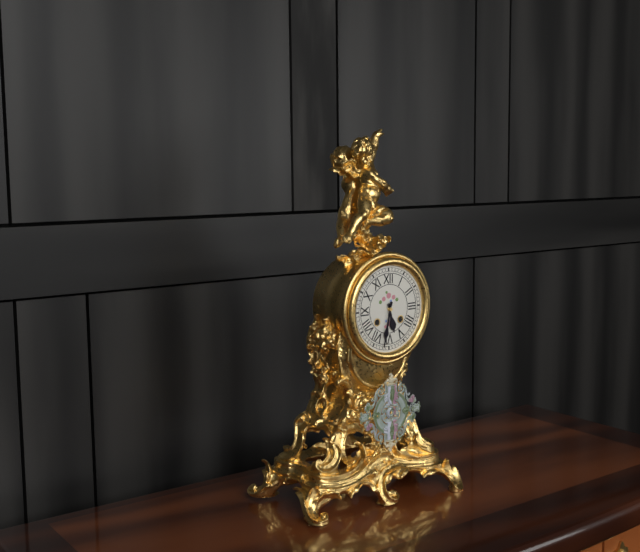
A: 5:32
